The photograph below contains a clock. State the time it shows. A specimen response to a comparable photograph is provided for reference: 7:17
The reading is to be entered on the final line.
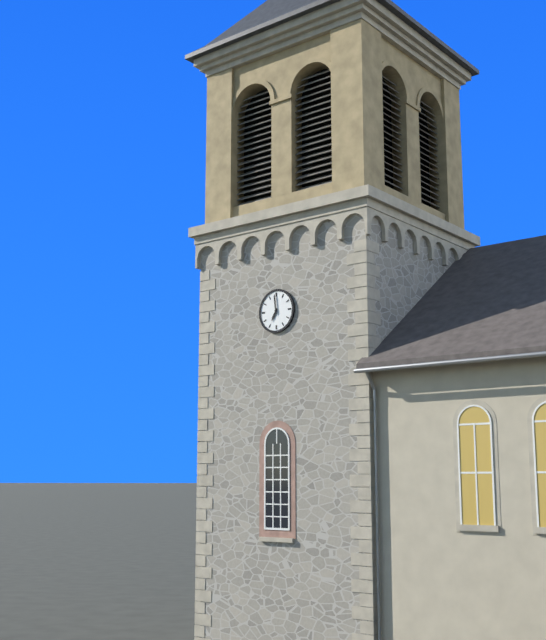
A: 6:59
